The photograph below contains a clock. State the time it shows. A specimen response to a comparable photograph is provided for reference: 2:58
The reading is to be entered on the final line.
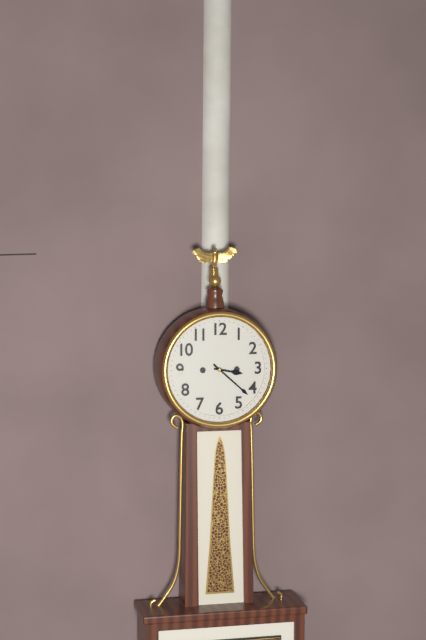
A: 3:22
